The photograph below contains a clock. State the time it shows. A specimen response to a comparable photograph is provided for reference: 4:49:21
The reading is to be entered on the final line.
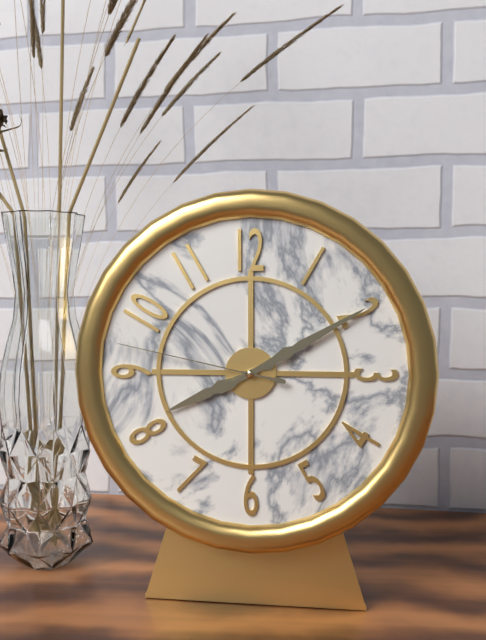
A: 8:10:47
